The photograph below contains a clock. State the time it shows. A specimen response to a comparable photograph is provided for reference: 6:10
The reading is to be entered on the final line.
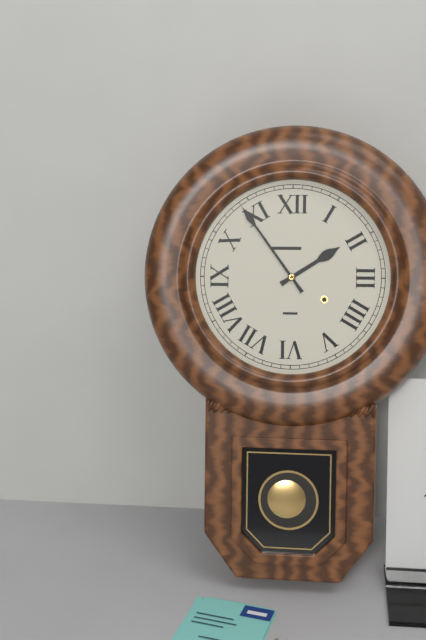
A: 1:54
